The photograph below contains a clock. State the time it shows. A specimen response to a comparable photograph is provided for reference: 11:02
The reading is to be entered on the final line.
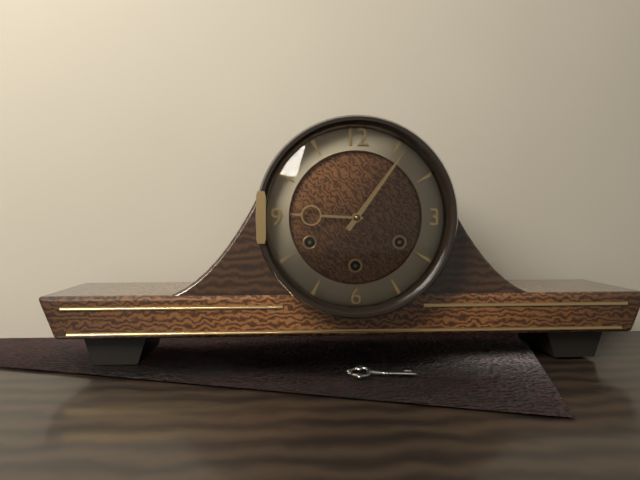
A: 9:06
